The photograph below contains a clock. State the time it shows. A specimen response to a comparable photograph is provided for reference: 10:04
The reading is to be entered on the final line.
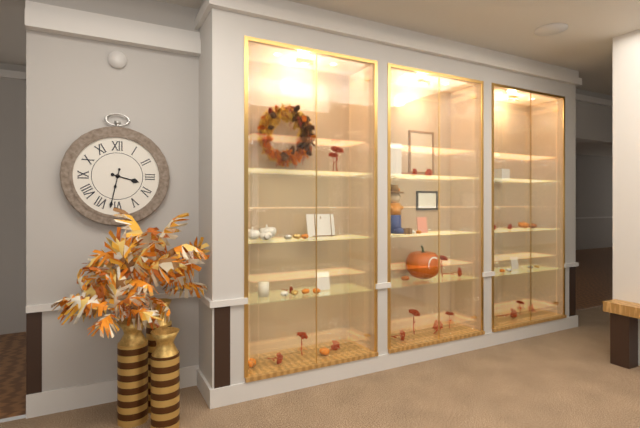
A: 3:32
